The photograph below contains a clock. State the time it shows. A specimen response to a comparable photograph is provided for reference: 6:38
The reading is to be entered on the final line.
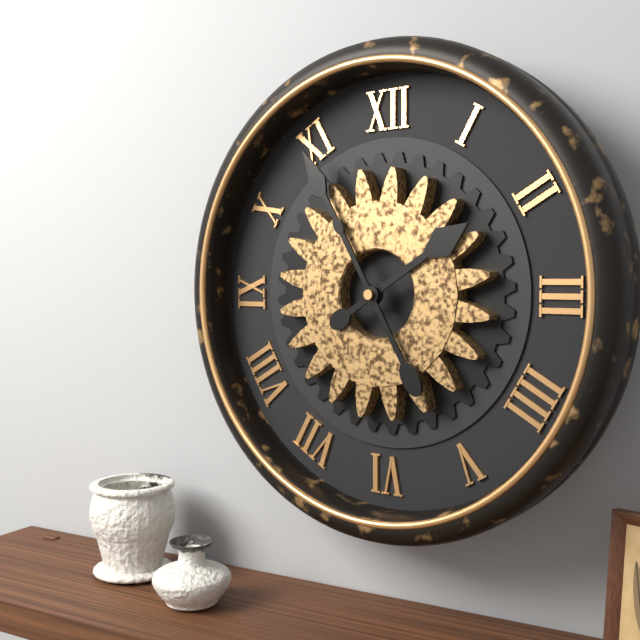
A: 1:55
